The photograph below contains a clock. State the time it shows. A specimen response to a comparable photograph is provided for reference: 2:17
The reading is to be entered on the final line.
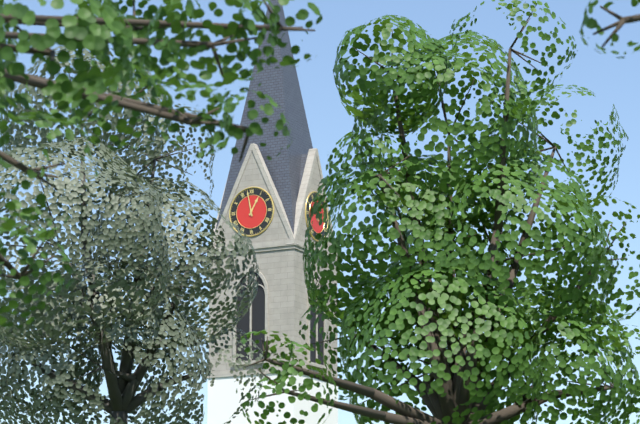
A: 12:58
